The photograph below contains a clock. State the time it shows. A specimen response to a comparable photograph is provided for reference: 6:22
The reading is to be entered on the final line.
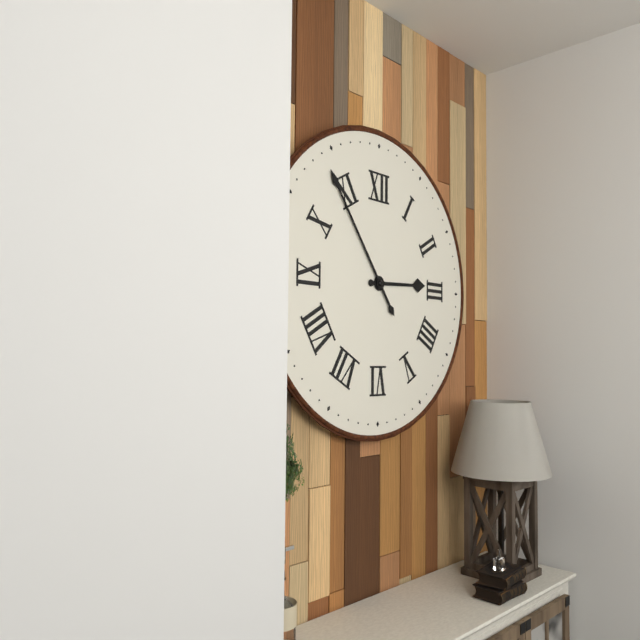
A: 2:54
